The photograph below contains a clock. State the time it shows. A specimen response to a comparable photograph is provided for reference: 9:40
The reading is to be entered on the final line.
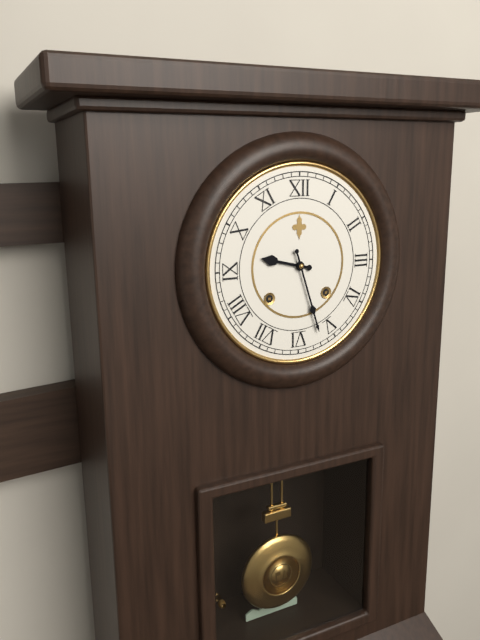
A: 9:27
